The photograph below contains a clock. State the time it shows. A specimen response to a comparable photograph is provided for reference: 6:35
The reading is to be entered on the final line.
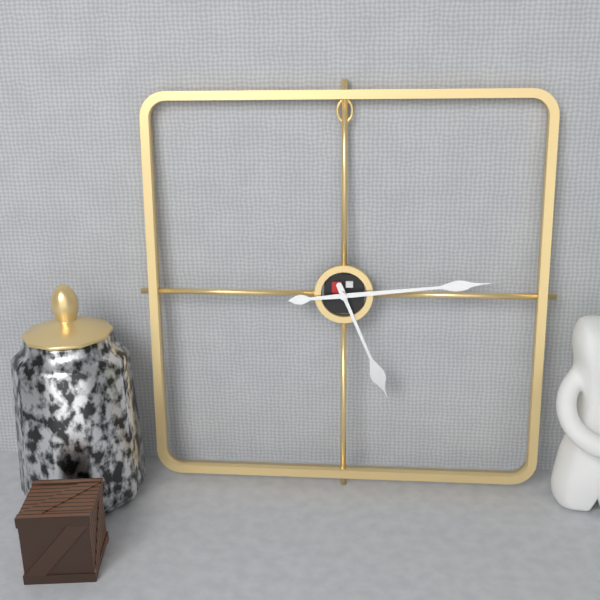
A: 5:14
